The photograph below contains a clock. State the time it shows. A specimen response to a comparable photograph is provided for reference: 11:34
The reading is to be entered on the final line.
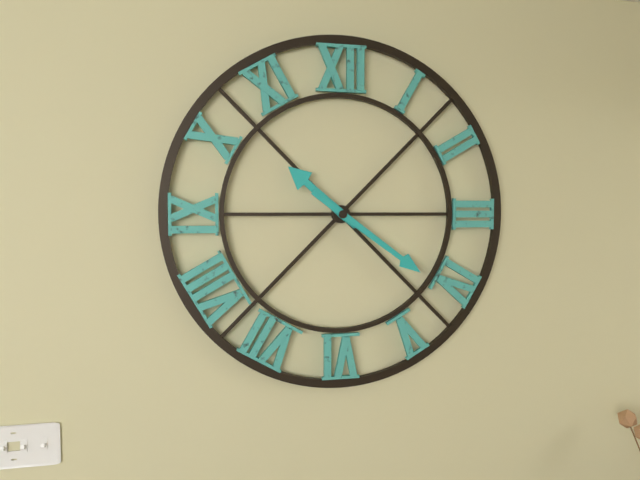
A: 10:21
